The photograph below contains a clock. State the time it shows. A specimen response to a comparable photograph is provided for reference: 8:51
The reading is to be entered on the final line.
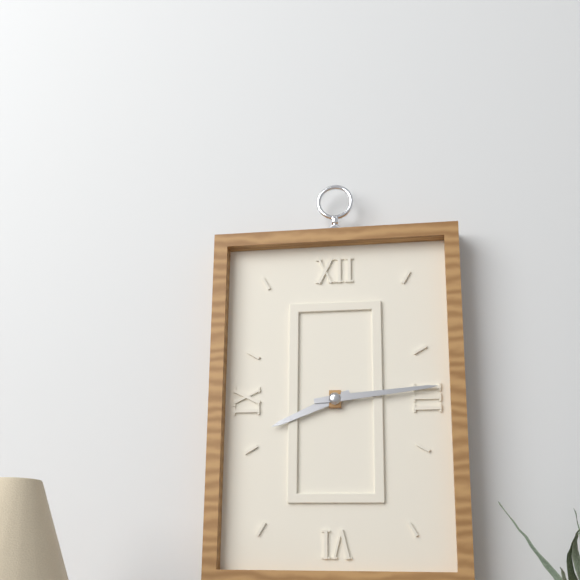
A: 8:14
